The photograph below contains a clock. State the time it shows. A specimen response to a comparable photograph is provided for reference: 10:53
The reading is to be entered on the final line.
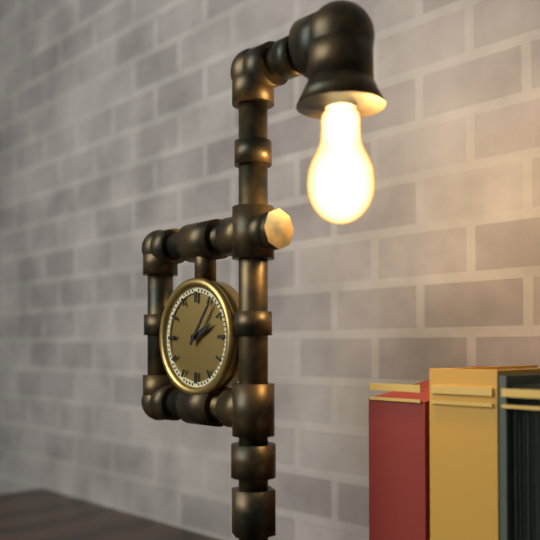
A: 2:06
